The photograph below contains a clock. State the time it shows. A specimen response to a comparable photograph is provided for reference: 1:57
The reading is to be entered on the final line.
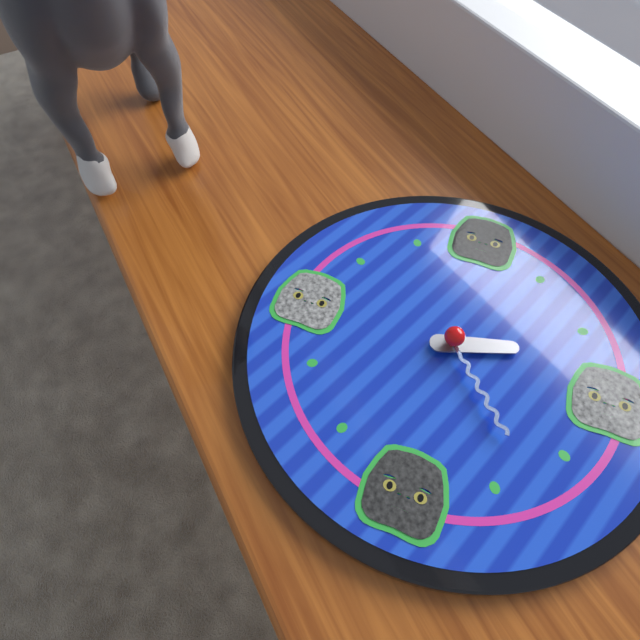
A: 2:23
